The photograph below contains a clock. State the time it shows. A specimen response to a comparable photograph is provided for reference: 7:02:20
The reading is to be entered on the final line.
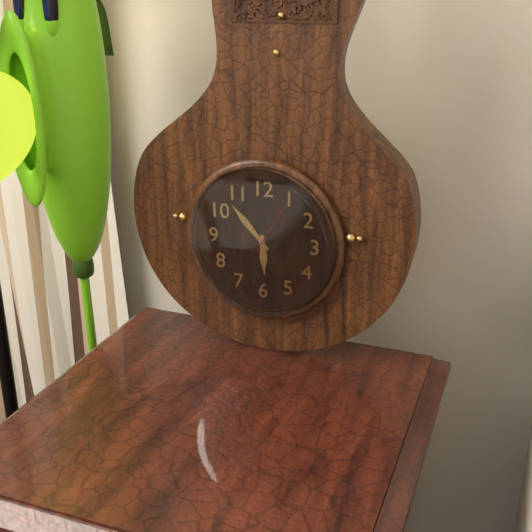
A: 5:53:05
